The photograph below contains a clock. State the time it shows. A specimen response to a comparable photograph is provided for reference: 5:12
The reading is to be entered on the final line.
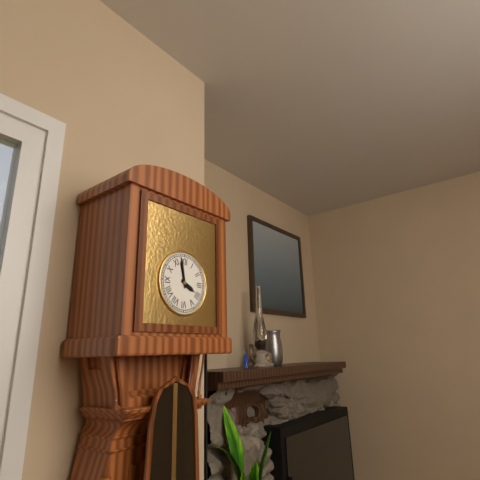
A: 3:58
